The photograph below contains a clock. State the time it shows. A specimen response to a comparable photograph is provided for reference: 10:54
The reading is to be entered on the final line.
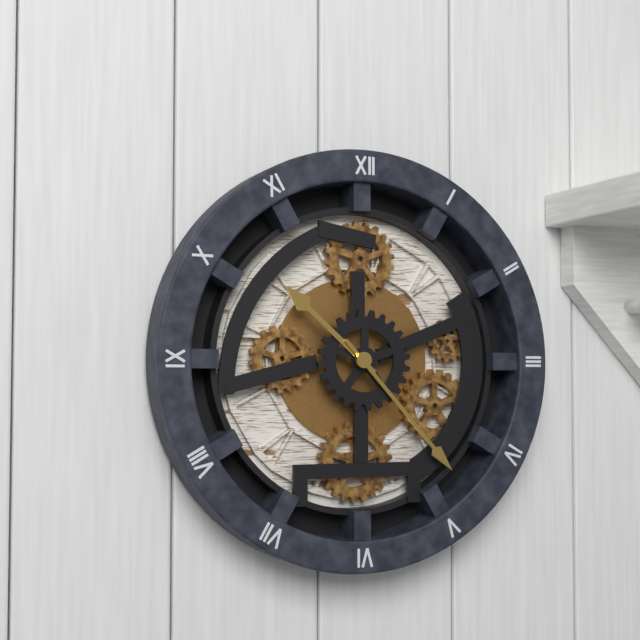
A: 10:23
